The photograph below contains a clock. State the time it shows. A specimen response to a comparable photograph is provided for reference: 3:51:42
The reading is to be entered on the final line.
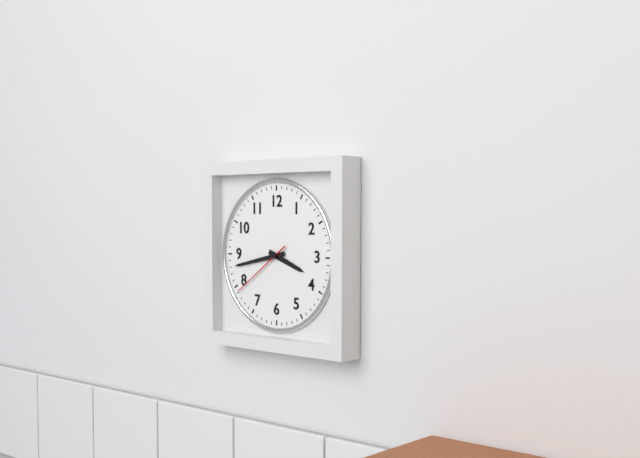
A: 3:43:39
